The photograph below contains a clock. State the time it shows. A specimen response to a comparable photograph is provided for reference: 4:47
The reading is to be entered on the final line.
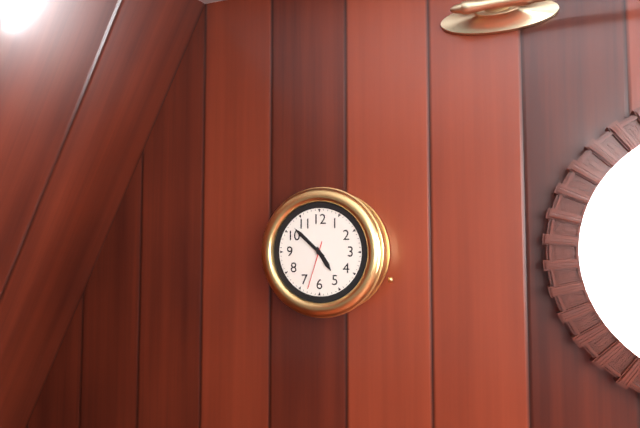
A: 4:52
